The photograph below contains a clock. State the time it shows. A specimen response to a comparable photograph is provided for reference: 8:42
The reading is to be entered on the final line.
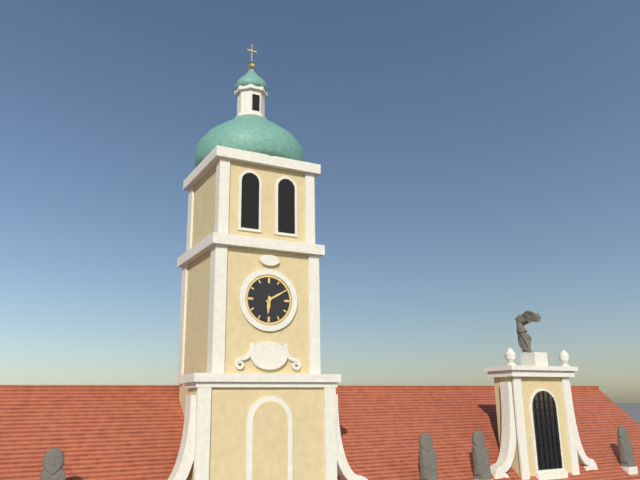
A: 6:10
